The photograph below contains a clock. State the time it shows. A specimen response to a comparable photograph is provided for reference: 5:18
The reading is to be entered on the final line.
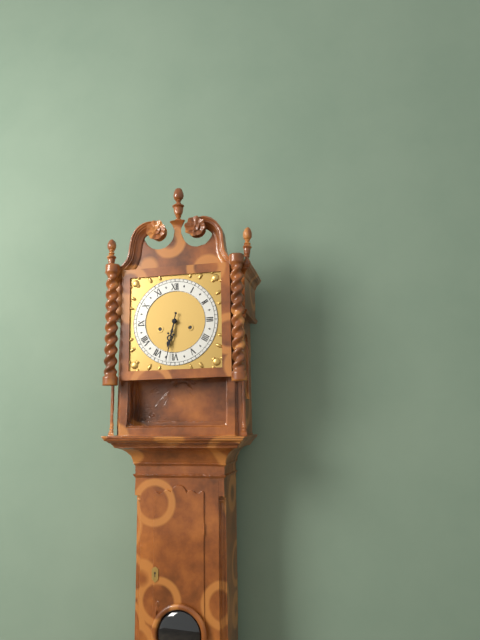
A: 6:32
